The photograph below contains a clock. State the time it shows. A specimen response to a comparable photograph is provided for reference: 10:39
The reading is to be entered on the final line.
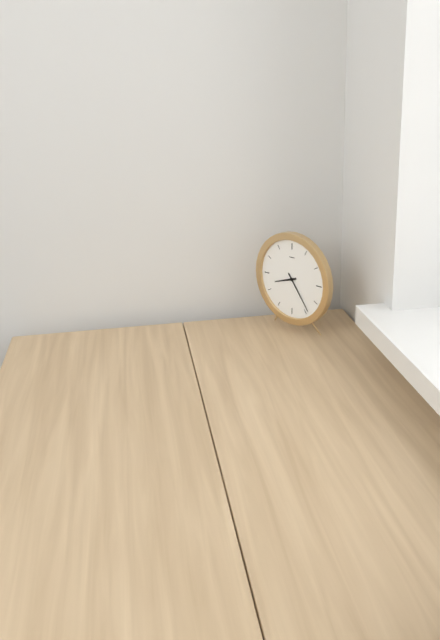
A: 8:24
